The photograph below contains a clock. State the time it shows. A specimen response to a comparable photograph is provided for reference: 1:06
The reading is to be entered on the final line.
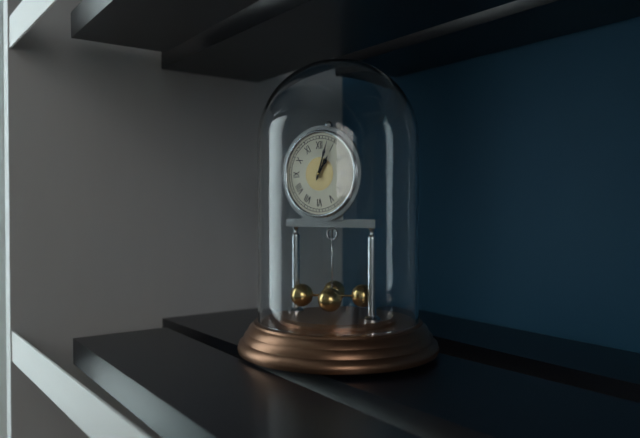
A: 1:03
